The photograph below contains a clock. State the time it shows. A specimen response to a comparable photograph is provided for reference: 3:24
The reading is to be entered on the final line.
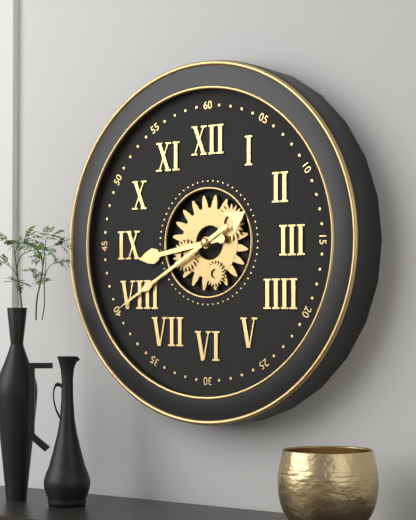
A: 8:40
